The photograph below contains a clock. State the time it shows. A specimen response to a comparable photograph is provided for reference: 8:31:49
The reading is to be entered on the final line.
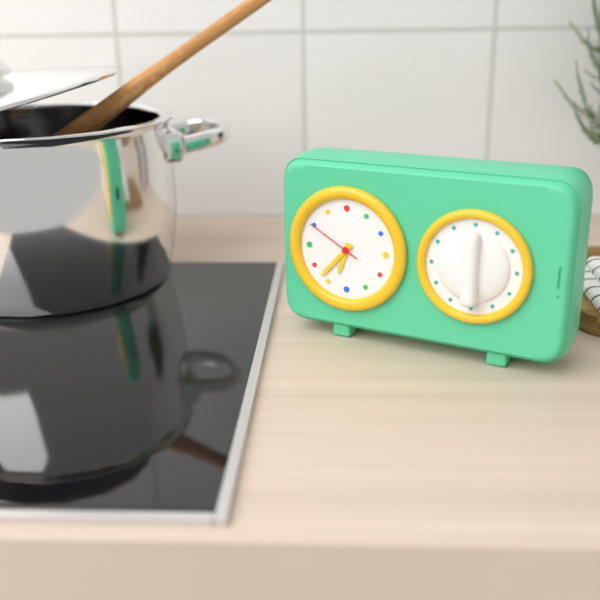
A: 6:37:50
